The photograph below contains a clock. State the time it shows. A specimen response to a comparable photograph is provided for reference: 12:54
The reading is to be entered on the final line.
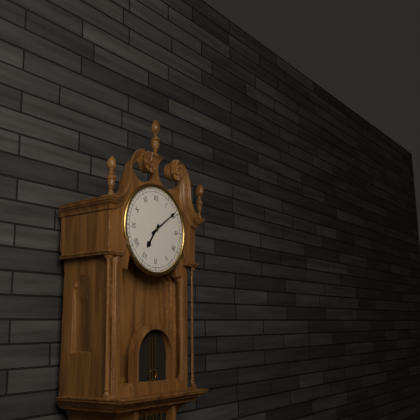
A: 7:09
